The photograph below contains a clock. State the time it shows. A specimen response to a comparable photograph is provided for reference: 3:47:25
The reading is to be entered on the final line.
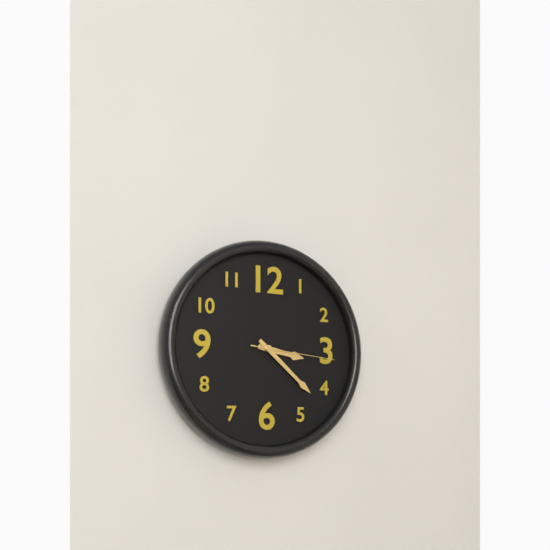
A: 3:22:16
